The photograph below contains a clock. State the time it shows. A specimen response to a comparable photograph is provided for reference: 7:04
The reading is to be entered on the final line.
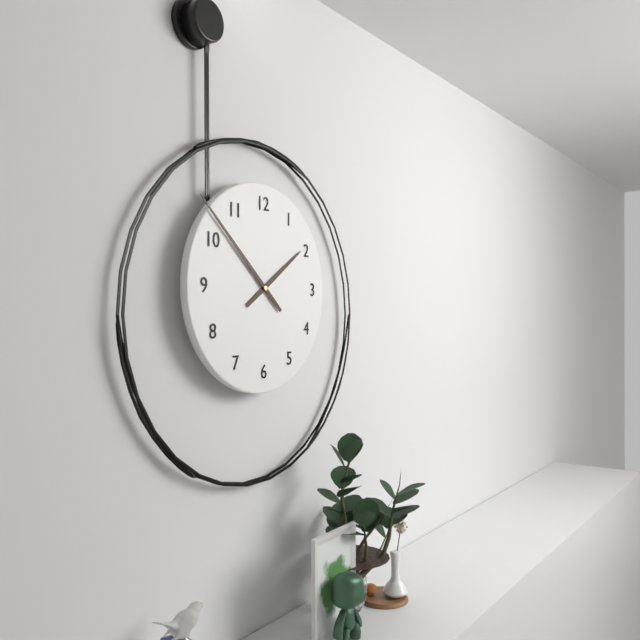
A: 1:52
